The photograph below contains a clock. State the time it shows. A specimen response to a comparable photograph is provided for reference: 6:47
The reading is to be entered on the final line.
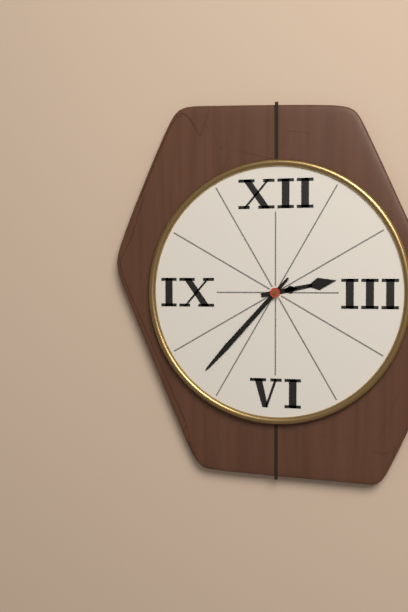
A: 2:37
